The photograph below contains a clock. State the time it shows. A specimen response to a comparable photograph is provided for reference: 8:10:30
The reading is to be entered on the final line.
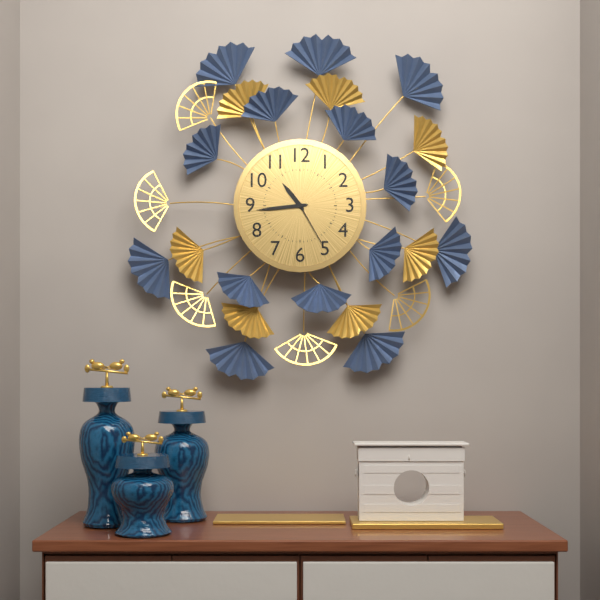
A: 10:44:25
